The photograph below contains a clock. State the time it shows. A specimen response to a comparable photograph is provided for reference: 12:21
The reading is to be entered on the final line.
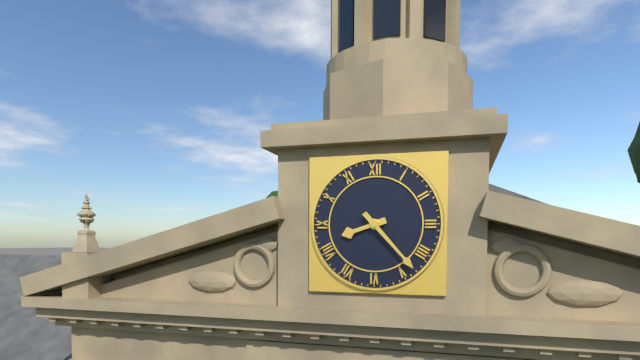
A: 8:23
